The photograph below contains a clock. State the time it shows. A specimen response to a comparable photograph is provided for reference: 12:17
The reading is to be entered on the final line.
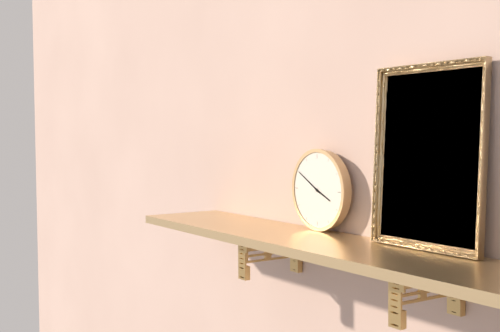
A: 3:50
